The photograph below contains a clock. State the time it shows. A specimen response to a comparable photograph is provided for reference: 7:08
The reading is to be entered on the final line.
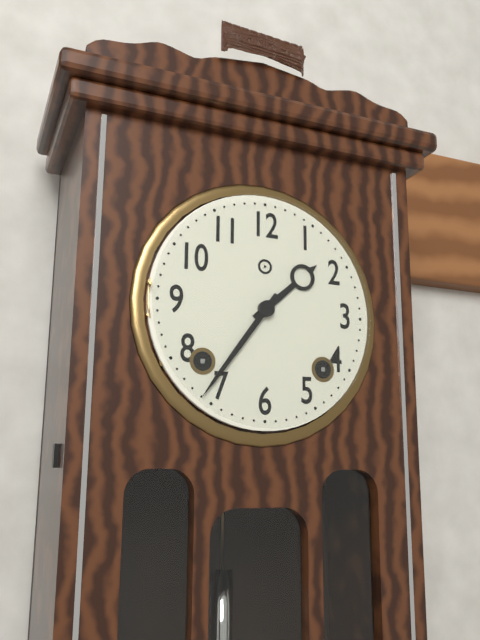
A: 1:36
